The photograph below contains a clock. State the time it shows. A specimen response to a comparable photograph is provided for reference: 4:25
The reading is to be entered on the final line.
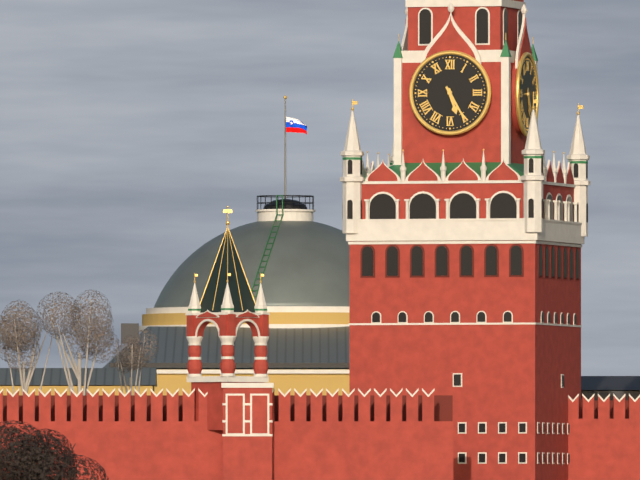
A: 5:25
